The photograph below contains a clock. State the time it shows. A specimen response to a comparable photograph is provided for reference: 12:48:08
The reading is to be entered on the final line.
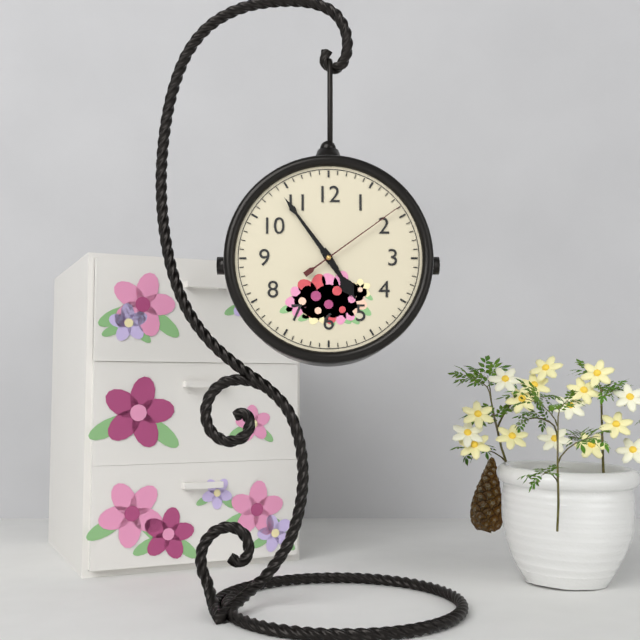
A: 4:54:09
